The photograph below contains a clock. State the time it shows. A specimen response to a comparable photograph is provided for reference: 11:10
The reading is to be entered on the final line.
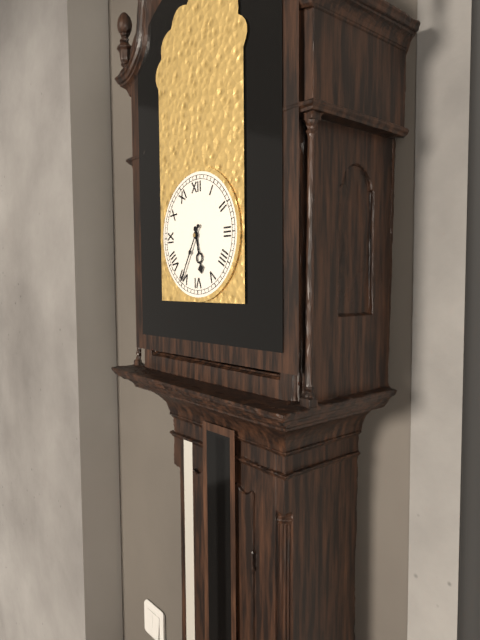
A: 5:35
